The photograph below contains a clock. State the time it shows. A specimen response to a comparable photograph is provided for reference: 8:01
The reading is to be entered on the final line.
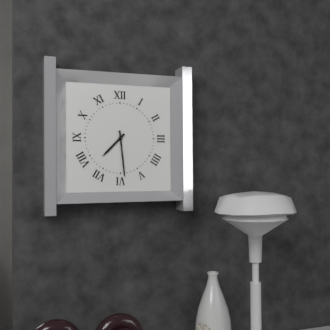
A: 7:29
